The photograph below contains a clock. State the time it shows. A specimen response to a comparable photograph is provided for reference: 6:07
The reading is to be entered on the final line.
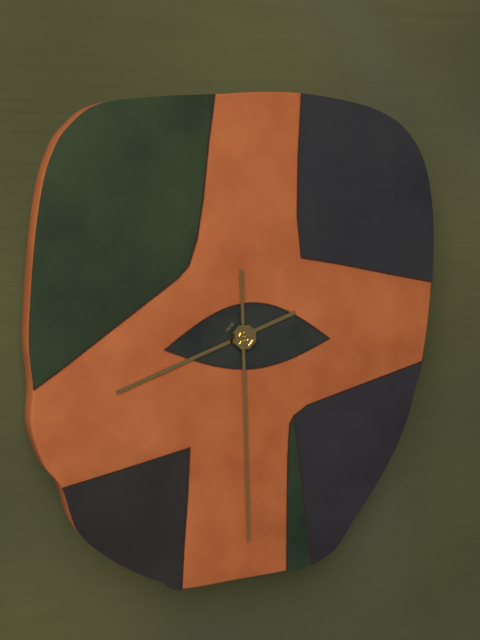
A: 8:30
